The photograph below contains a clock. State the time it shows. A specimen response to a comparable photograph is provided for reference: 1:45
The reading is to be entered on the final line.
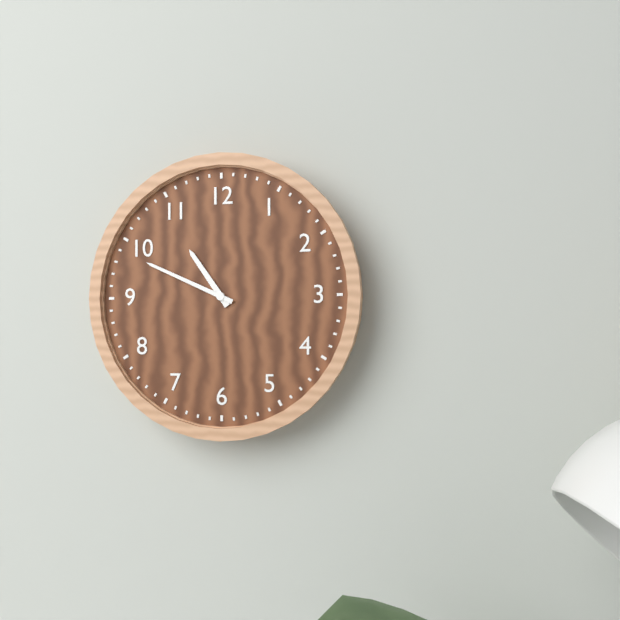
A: 10:49
